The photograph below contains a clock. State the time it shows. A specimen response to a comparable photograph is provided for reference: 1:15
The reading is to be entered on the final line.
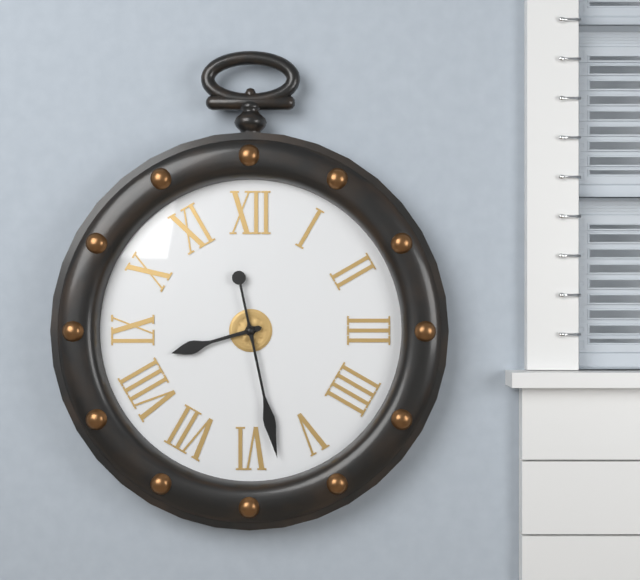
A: 8:28
